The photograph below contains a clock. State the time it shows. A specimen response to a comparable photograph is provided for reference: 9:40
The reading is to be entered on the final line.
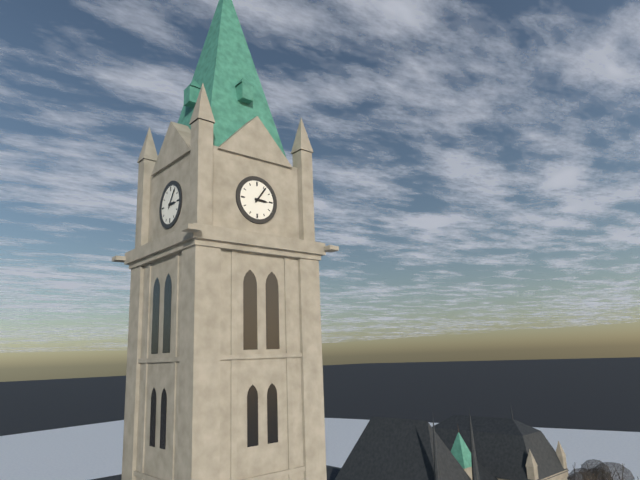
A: 3:06
